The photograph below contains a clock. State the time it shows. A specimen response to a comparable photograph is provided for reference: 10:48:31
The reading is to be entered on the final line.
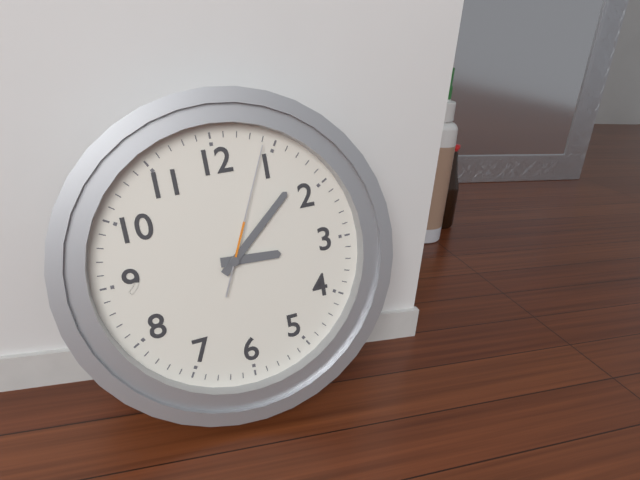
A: 3:08:04
